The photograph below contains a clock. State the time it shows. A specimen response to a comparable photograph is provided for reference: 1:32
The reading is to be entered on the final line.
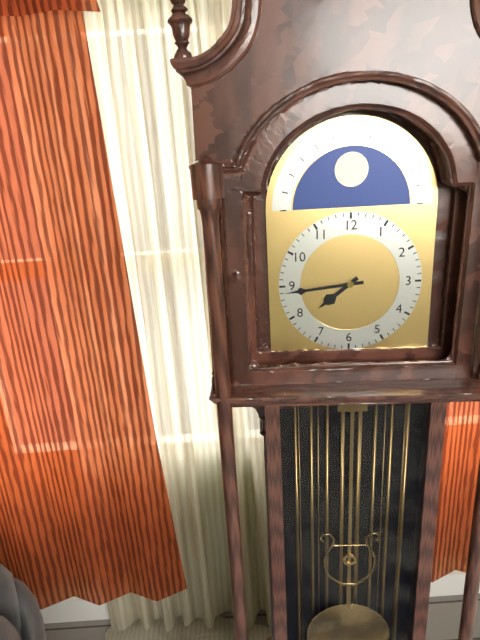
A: 7:44
